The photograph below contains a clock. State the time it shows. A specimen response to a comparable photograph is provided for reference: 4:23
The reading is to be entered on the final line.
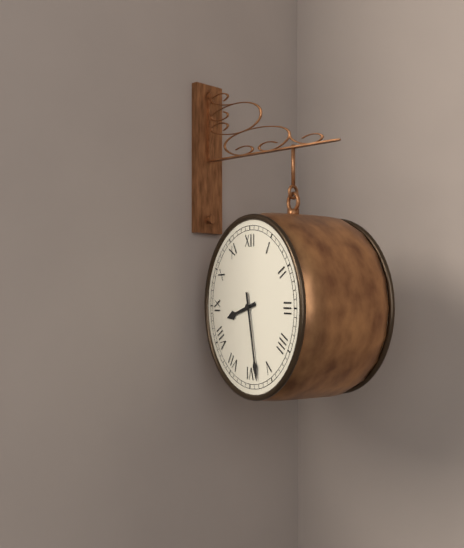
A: 8:28
